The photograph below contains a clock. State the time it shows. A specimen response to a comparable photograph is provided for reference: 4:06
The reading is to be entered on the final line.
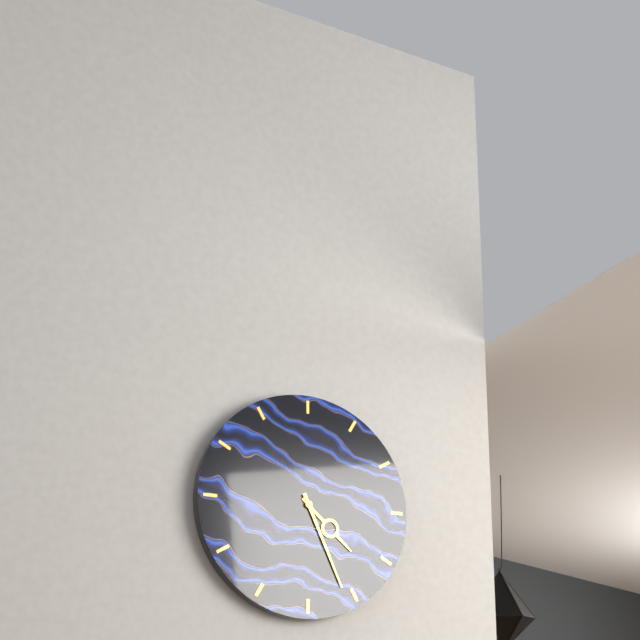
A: 4:26
